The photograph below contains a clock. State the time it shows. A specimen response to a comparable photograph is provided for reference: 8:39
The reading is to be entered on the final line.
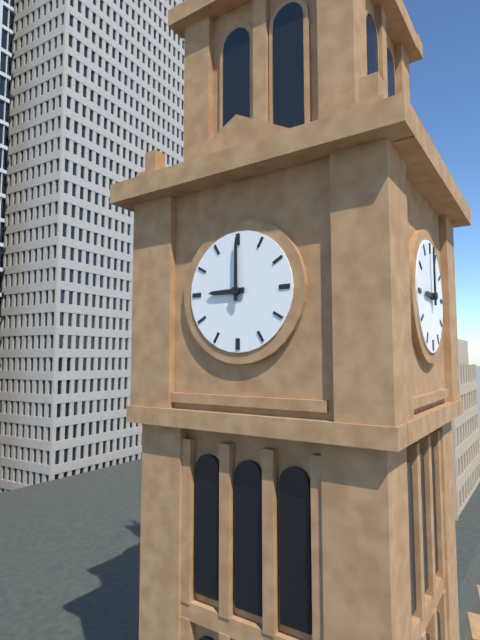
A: 9:00
